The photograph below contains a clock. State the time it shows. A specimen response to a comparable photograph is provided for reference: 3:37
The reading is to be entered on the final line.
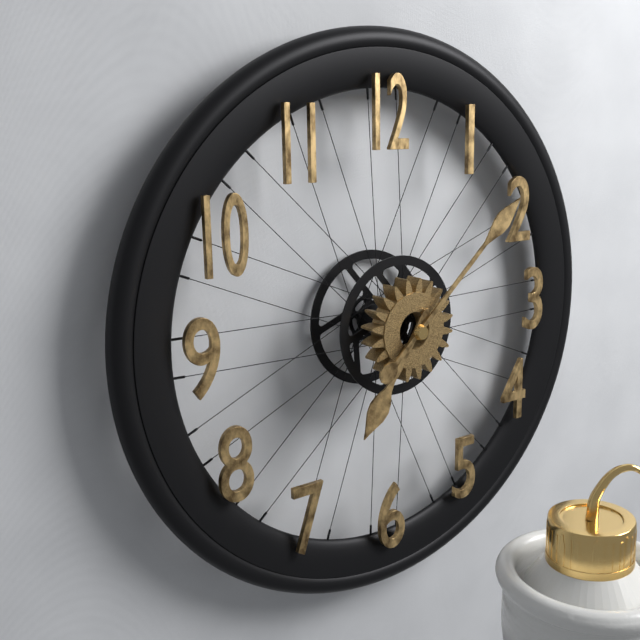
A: 7:08
